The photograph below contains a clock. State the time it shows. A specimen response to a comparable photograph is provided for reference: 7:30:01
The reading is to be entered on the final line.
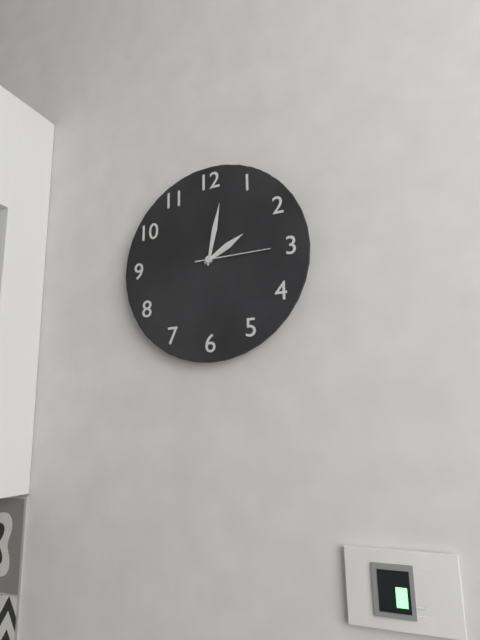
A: 2:02:15
